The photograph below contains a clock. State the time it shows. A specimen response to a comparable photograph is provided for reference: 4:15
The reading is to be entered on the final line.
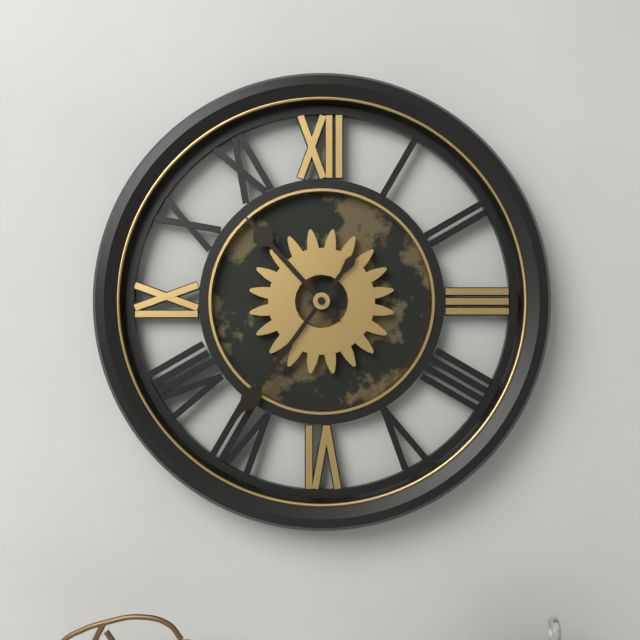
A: 10:36
